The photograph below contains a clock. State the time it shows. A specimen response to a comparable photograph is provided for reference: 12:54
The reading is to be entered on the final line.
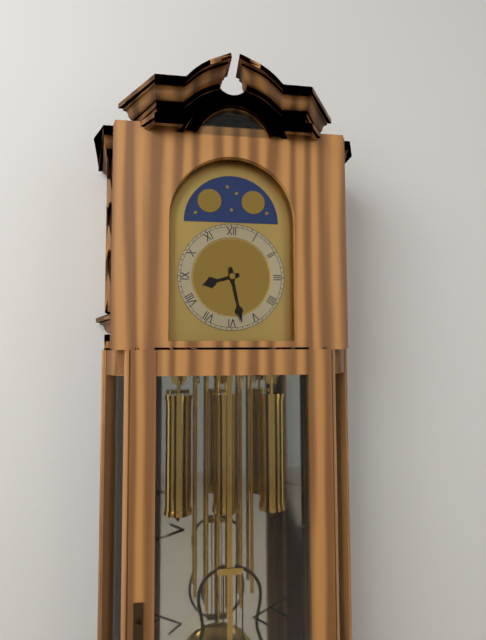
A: 8:28
